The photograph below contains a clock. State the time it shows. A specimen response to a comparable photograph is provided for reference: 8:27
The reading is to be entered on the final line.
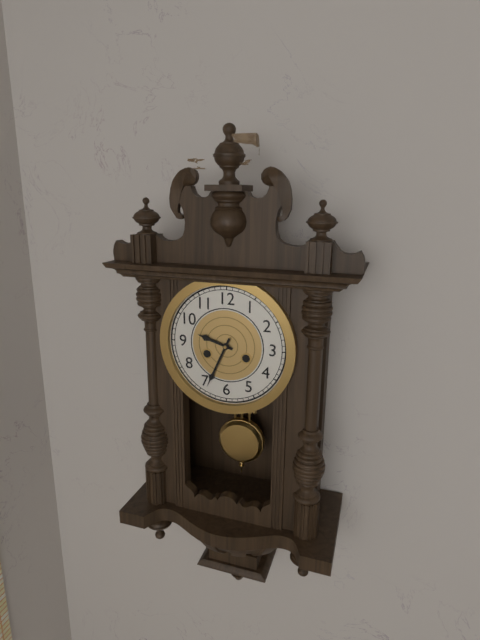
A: 9:34
